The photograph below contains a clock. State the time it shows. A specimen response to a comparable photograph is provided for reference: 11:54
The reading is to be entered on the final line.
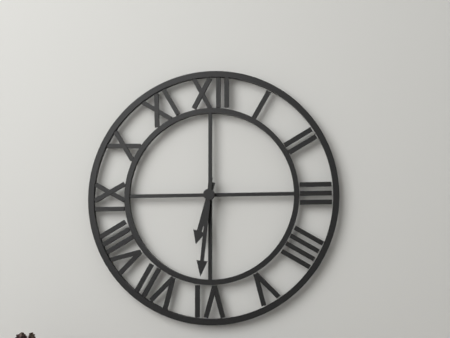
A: 6:31
